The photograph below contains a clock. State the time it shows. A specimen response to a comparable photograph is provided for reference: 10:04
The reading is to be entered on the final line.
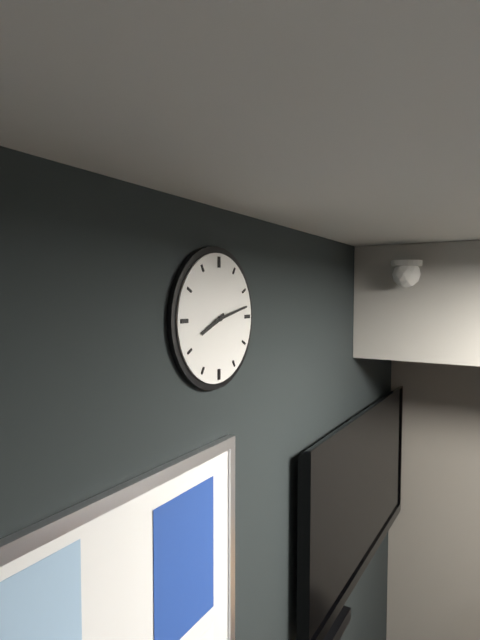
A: 8:13
